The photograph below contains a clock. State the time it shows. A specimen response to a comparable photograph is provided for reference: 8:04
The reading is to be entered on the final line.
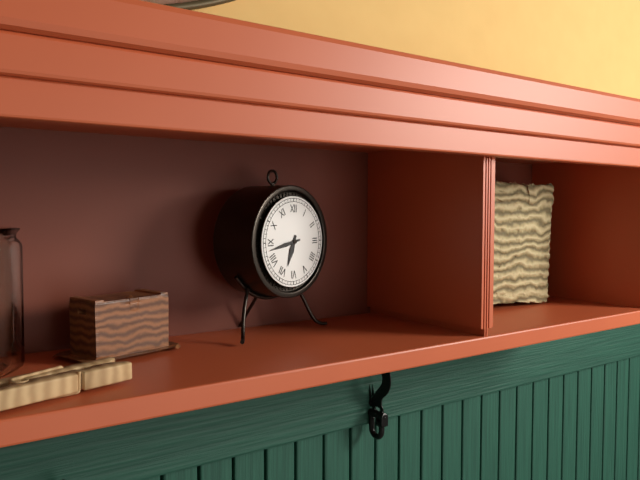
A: 6:43
